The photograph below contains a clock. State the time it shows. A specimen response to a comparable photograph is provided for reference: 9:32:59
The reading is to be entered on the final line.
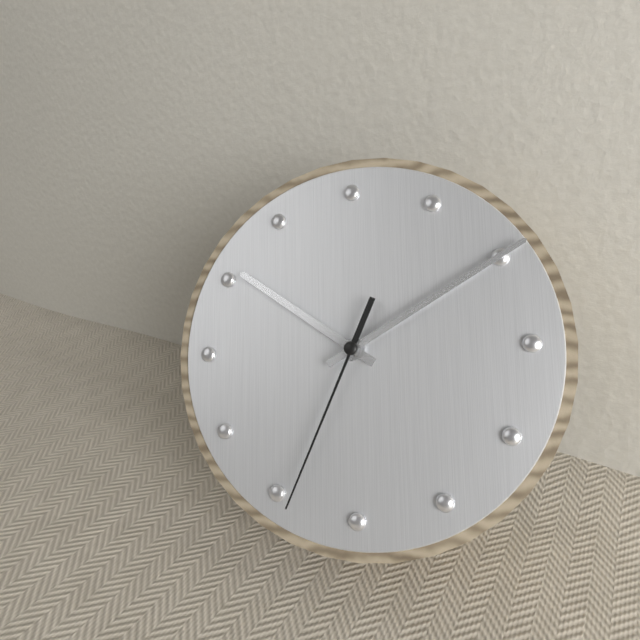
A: 10:10:34
